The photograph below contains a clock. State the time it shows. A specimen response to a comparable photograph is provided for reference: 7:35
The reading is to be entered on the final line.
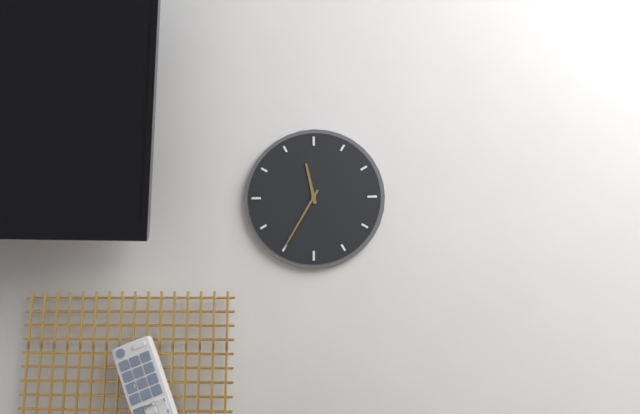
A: 11:35
